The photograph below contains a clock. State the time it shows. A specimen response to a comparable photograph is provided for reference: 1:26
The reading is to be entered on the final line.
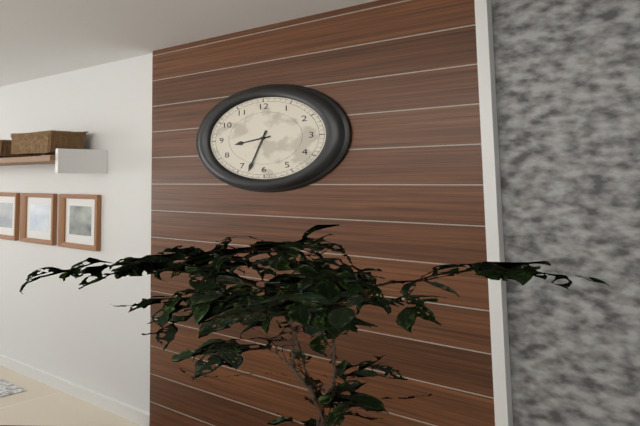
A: 8:33
